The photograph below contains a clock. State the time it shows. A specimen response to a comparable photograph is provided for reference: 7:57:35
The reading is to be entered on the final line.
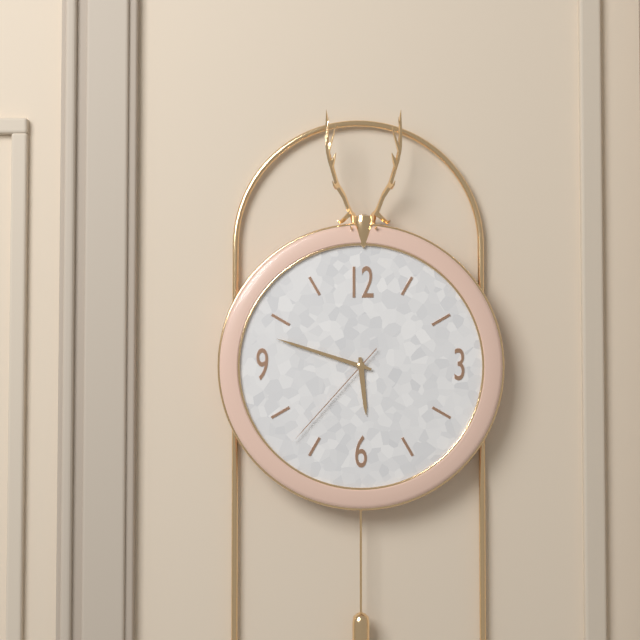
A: 5:48:37
